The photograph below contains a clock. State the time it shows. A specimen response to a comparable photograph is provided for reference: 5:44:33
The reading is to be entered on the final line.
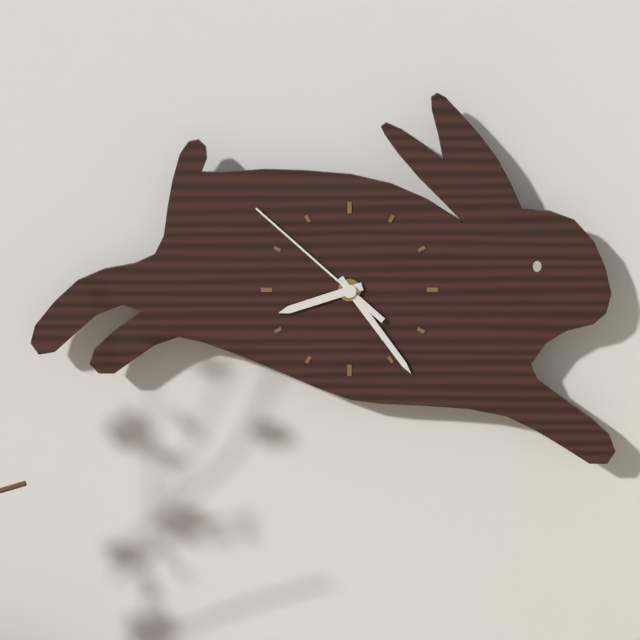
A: 8:24:52
